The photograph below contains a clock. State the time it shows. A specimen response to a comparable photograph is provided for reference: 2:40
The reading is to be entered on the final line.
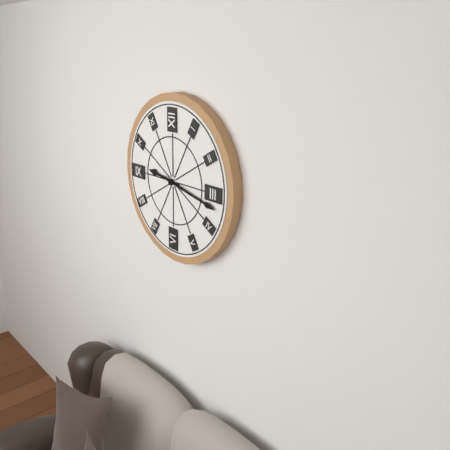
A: 9:17
